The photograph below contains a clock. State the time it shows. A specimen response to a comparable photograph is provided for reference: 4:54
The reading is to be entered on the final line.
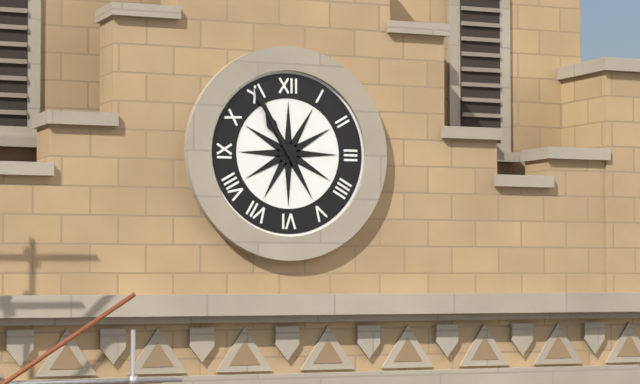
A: 10:55
